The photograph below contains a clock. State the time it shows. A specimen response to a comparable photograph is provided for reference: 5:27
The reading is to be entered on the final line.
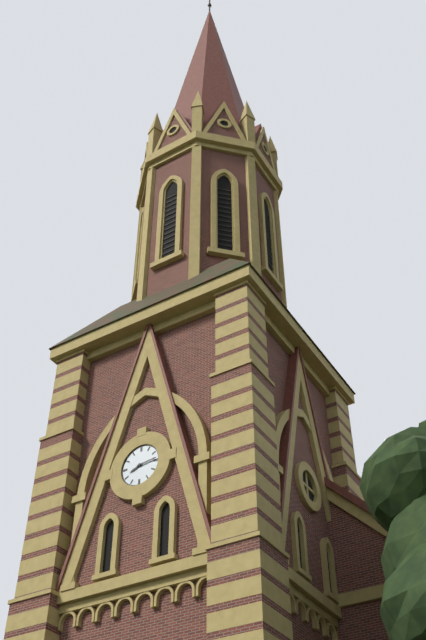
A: 8:14
